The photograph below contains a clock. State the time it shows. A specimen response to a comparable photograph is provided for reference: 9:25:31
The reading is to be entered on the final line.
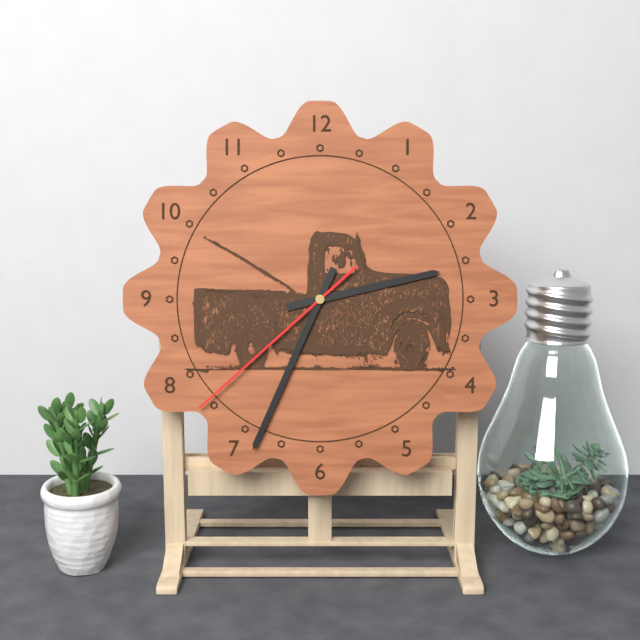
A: 2:34:38
